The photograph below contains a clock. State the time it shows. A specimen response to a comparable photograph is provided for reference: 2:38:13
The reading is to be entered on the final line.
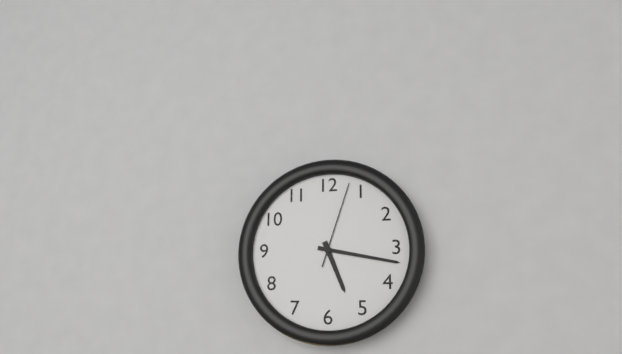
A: 5:17:03
